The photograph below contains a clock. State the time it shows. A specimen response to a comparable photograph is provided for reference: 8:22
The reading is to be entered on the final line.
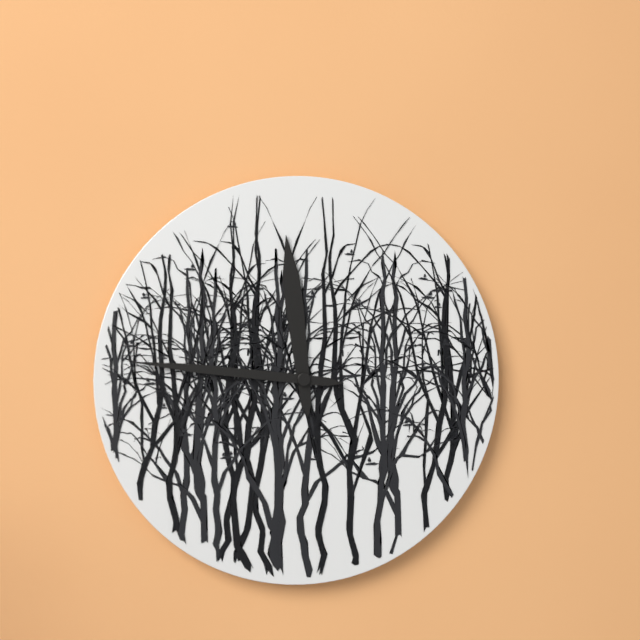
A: 11:46
